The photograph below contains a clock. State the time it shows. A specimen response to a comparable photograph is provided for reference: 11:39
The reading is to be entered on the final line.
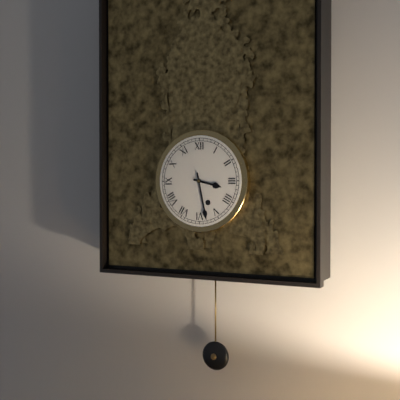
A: 3:28
